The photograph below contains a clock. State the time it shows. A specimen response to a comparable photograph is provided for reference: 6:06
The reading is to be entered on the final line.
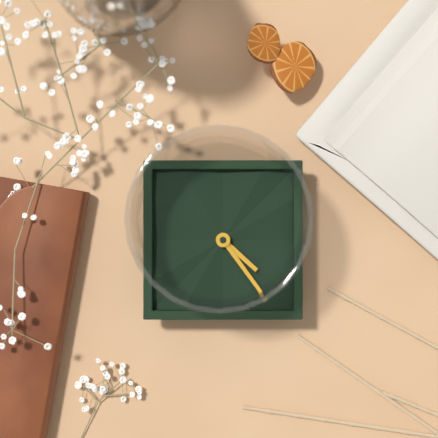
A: 4:24
